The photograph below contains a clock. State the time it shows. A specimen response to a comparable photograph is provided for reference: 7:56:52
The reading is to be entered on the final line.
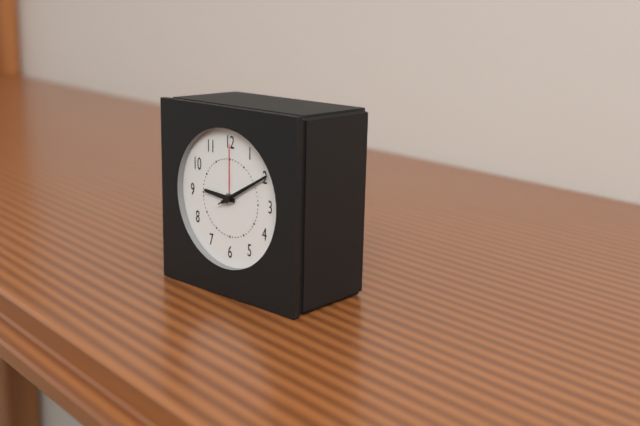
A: 9:10:10
